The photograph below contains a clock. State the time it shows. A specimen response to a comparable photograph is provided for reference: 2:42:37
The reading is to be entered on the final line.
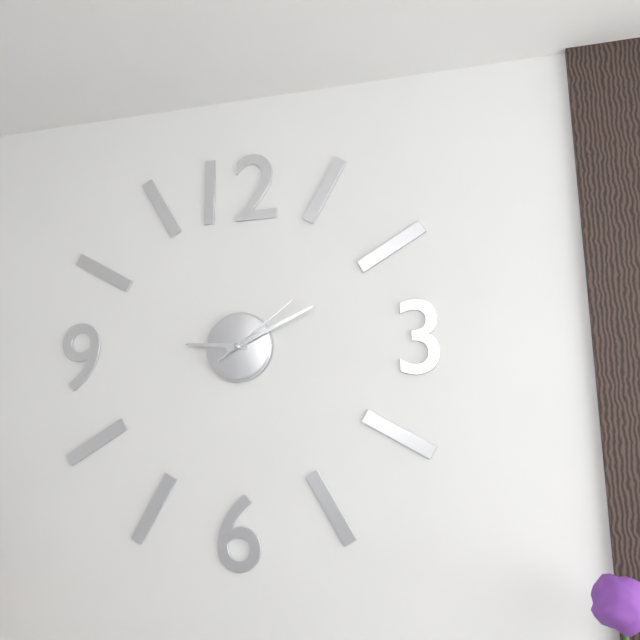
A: 9:11:09
